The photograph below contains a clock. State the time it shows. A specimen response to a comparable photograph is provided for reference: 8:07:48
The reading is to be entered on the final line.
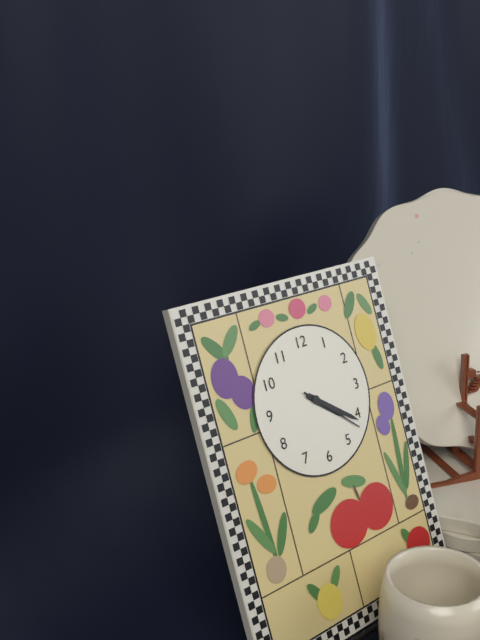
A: 4:21:22
